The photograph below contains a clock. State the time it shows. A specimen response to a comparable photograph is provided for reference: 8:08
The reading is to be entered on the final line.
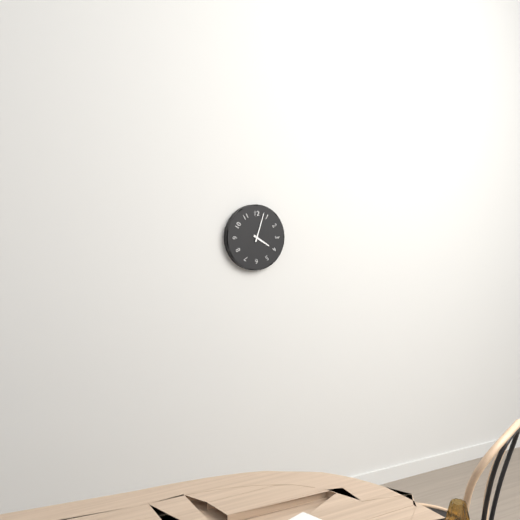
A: 4:03
